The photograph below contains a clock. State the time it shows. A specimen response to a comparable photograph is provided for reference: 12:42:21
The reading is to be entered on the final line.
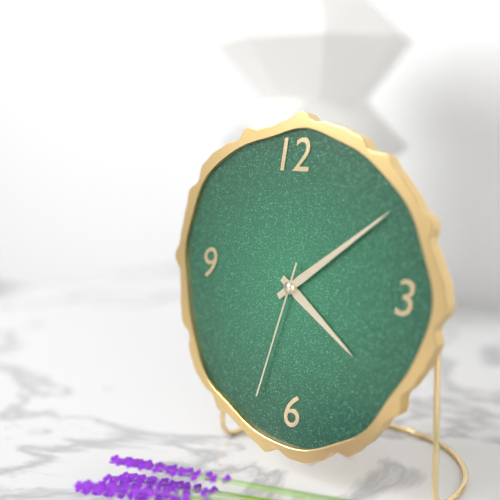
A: 4:09:33
